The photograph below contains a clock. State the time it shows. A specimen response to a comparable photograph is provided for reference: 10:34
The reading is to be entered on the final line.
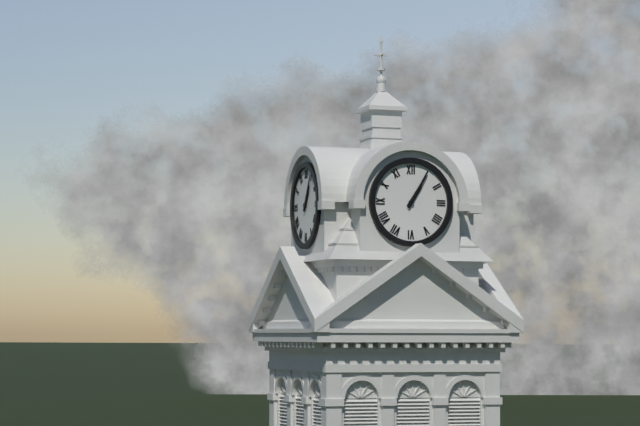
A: 1:05
